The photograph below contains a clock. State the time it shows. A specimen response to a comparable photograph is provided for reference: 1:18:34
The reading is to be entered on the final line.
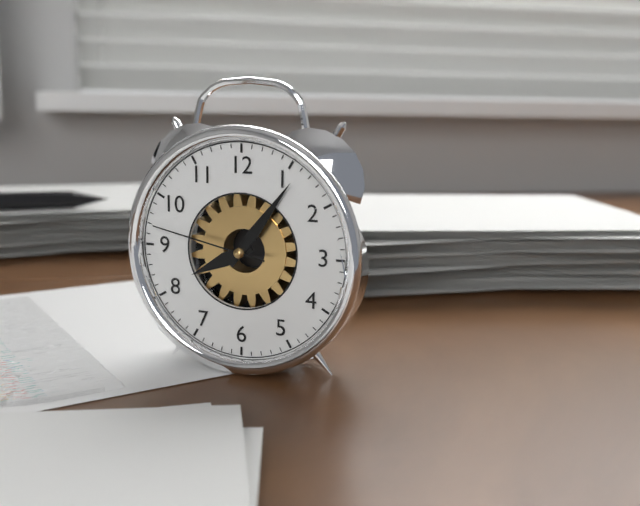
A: 8:06:47
